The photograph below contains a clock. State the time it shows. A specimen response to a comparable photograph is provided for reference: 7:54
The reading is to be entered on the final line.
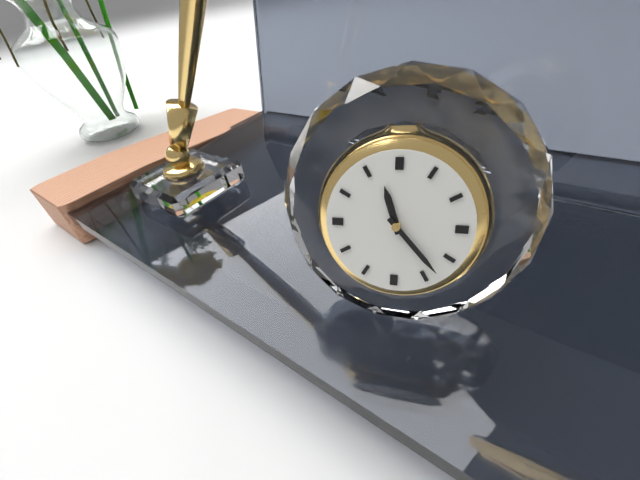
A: 11:23
